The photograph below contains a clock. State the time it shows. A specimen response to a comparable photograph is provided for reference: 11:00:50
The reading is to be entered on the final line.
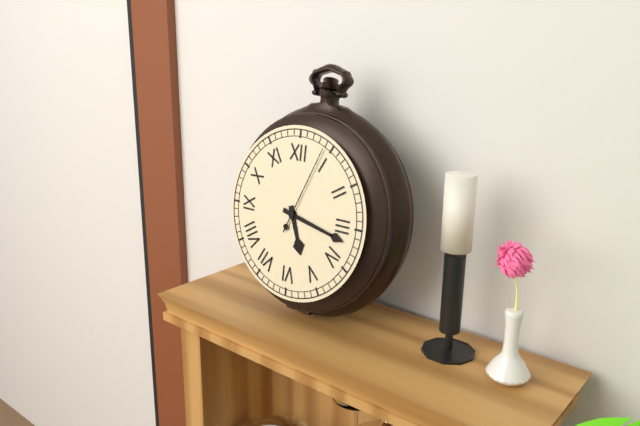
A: 5:17:04
